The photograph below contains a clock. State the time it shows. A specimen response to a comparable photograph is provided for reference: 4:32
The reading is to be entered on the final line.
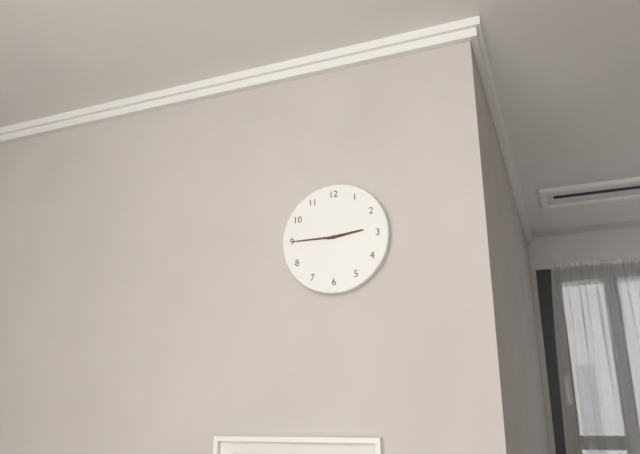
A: 2:45
